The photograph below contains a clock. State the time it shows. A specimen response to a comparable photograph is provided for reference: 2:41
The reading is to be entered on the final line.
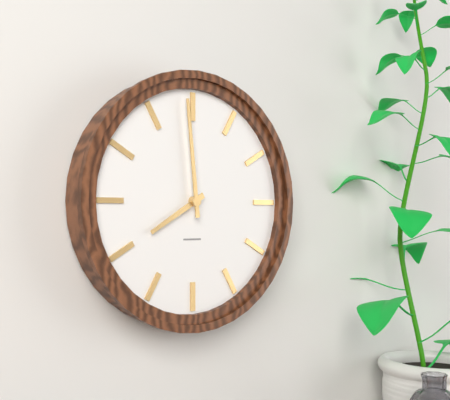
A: 7:59
